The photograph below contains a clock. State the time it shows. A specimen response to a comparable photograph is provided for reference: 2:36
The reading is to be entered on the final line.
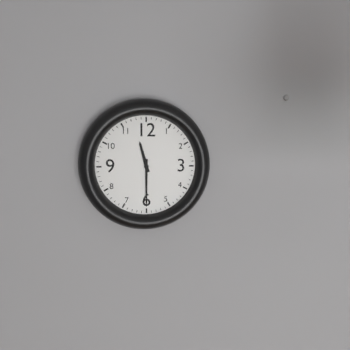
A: 11:30
